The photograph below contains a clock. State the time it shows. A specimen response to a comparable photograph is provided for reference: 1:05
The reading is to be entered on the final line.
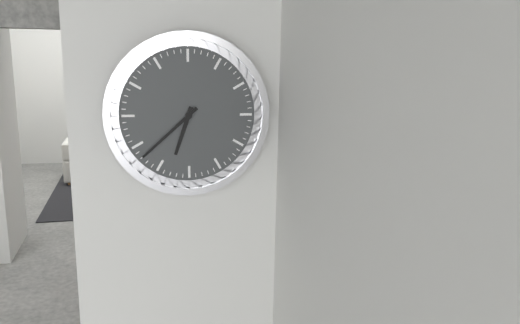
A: 6:38
